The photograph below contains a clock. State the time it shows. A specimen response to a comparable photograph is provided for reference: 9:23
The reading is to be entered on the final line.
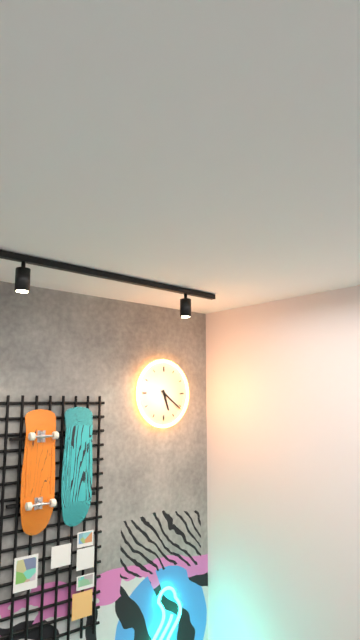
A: 5:21
